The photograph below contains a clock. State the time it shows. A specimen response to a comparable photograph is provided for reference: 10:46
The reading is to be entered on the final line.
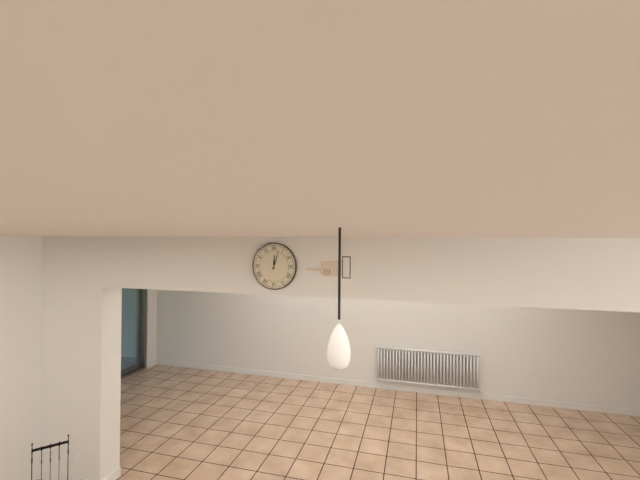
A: 12:03
